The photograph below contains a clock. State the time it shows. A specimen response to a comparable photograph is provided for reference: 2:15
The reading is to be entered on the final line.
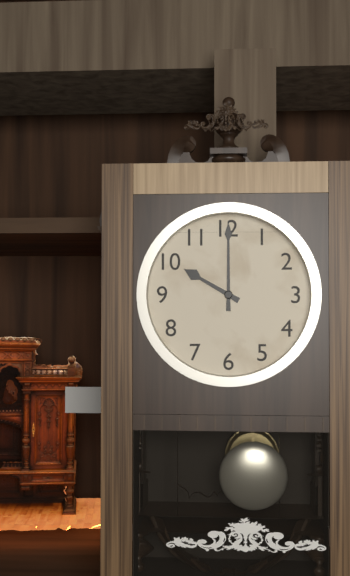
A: 10:00
